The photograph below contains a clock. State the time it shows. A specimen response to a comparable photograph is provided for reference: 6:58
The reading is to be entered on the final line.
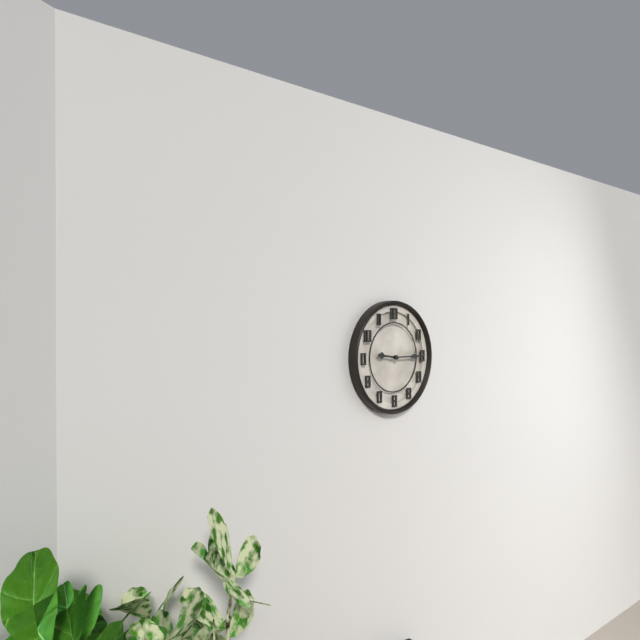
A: 9:15
